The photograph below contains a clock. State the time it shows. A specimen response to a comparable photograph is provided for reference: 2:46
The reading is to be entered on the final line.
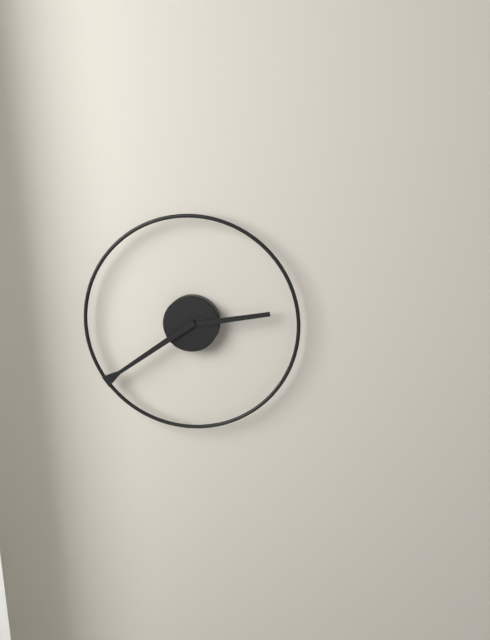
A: 2:39
